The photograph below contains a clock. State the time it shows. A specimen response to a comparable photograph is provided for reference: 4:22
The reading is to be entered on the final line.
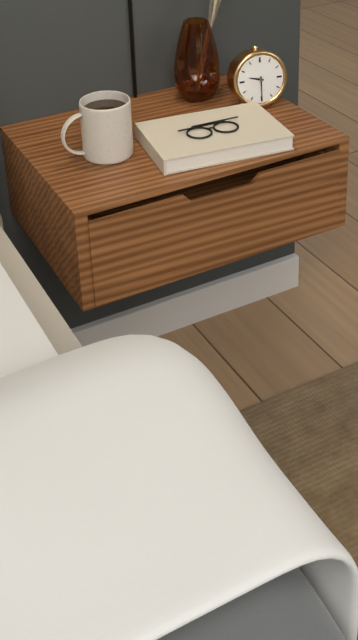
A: 9:30
